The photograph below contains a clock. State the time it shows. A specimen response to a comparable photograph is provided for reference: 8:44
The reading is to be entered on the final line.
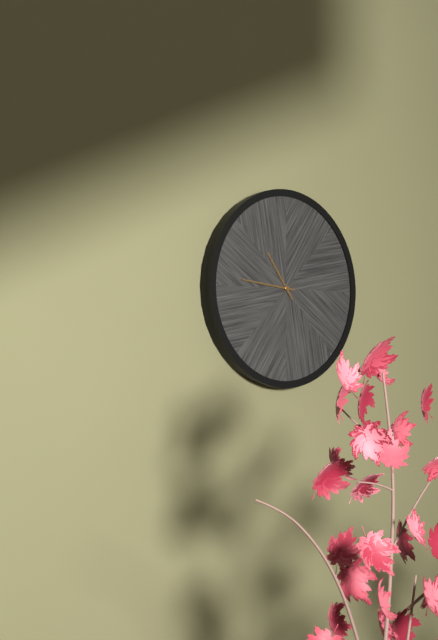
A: 10:46
